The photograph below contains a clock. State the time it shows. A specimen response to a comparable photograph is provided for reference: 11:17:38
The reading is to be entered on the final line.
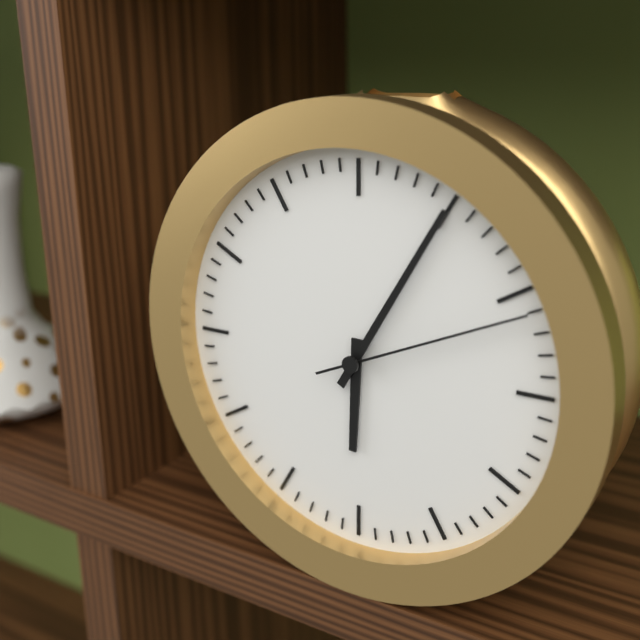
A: 6:05:11
